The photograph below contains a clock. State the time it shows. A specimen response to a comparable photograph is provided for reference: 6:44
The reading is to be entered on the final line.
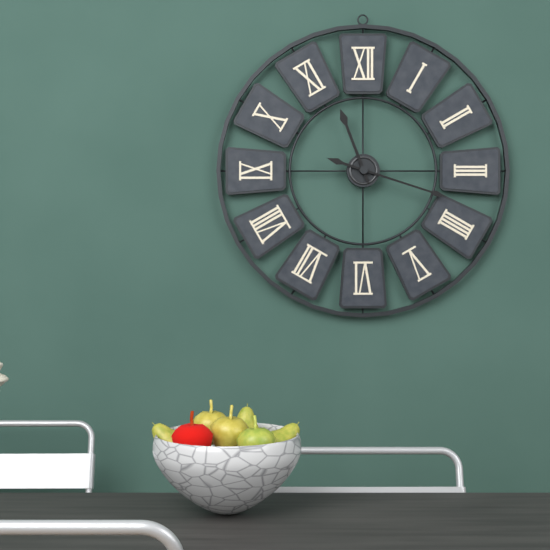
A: 11:18
